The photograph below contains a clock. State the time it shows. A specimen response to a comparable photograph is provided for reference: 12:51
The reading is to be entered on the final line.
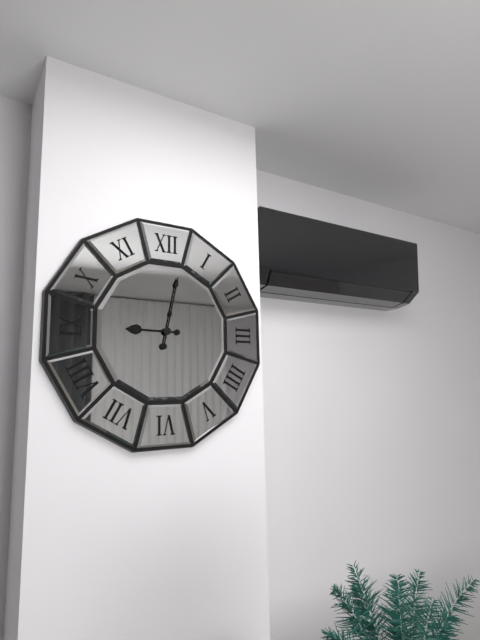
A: 9:02
